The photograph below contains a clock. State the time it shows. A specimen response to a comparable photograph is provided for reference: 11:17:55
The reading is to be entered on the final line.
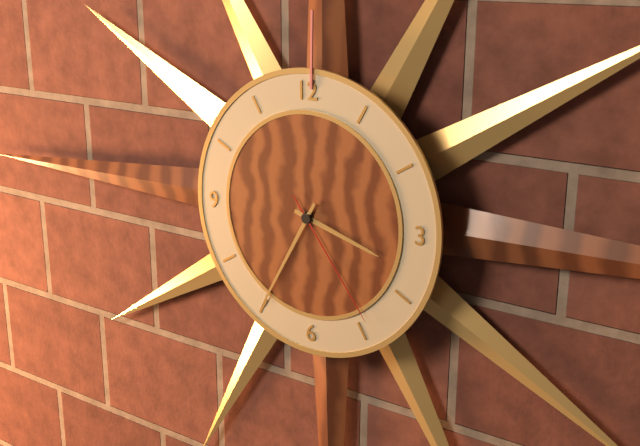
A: 3:35:24
